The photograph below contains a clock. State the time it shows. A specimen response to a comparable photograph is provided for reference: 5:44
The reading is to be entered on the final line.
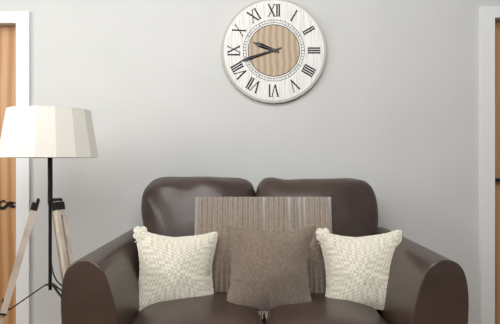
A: 9:42
